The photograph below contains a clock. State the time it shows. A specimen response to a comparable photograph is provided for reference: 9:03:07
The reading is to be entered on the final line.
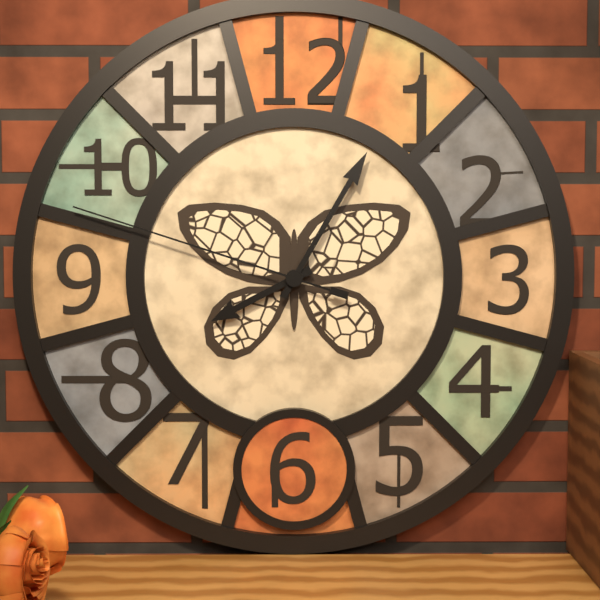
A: 8:05:48
